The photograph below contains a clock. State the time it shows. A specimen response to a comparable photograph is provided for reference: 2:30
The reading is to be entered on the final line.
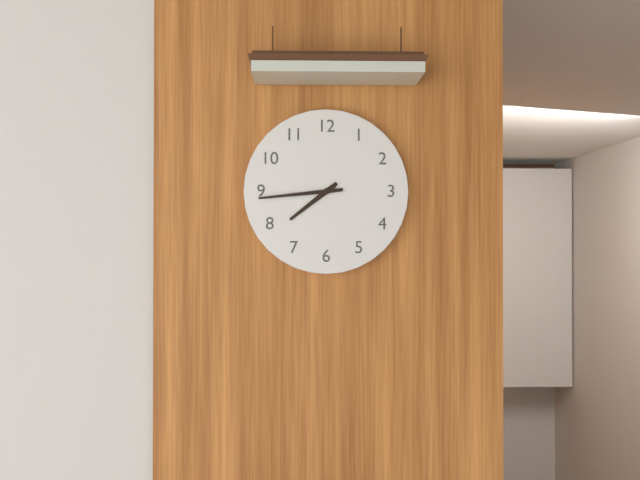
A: 7:44
